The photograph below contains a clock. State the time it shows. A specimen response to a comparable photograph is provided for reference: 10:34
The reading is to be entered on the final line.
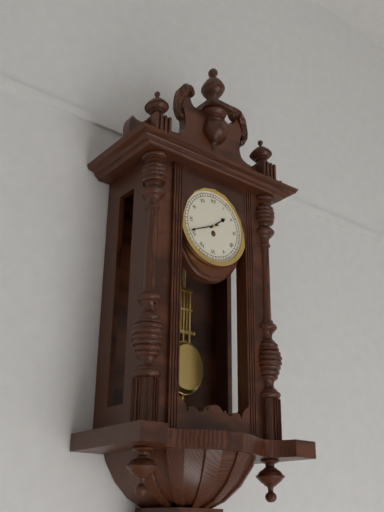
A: 1:41
